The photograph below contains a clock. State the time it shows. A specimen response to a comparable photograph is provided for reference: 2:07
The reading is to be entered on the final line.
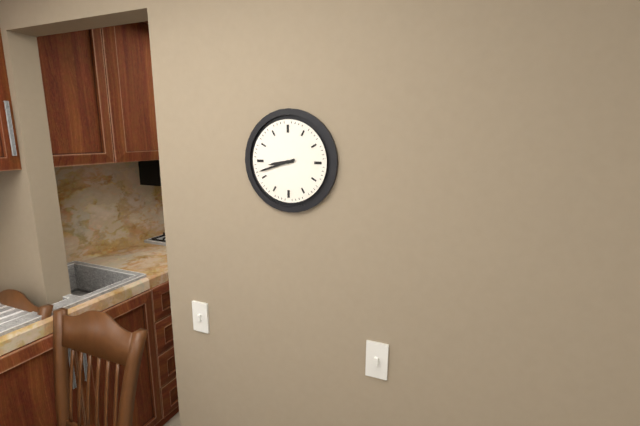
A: 8:42
